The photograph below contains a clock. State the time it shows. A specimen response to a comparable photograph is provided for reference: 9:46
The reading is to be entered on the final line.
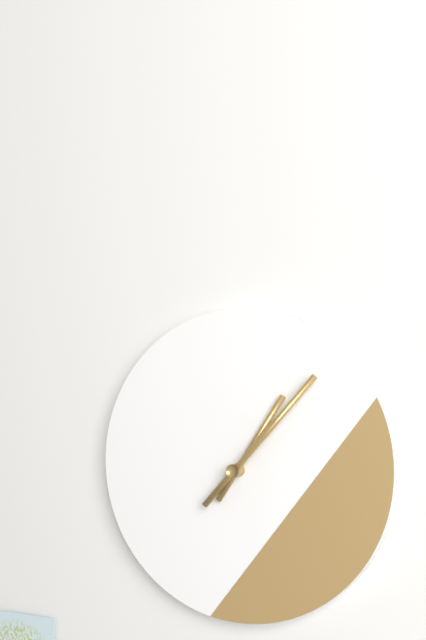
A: 1:07
